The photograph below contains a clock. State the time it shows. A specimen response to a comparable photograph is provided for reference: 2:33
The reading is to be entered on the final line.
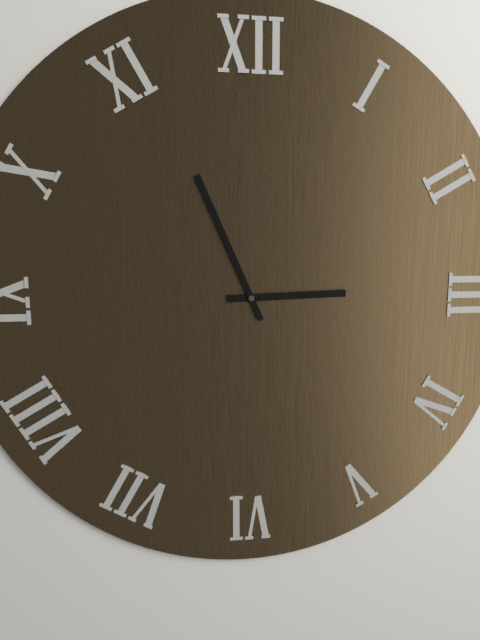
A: 2:56
